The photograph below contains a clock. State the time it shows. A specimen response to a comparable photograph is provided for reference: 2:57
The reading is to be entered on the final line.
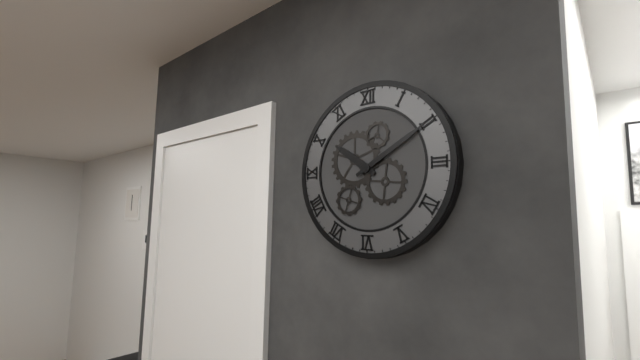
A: 10:10
